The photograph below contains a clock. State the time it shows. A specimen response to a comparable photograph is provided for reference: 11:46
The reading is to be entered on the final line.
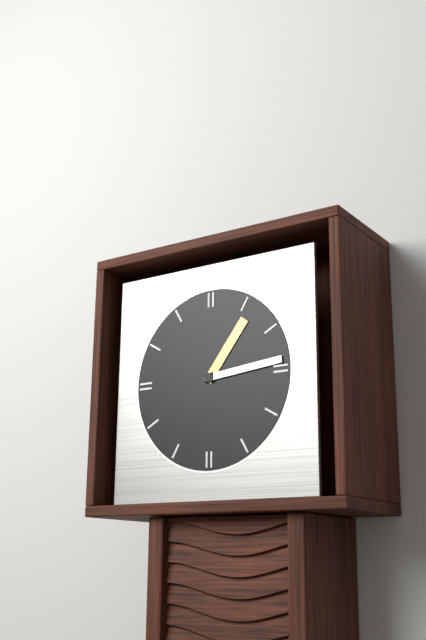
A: 1:14
